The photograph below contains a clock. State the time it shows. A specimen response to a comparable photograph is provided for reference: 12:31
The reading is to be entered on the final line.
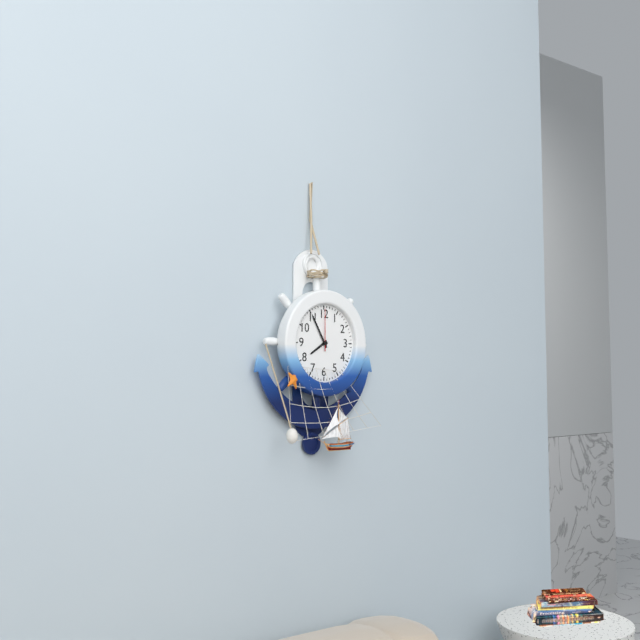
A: 7:55
